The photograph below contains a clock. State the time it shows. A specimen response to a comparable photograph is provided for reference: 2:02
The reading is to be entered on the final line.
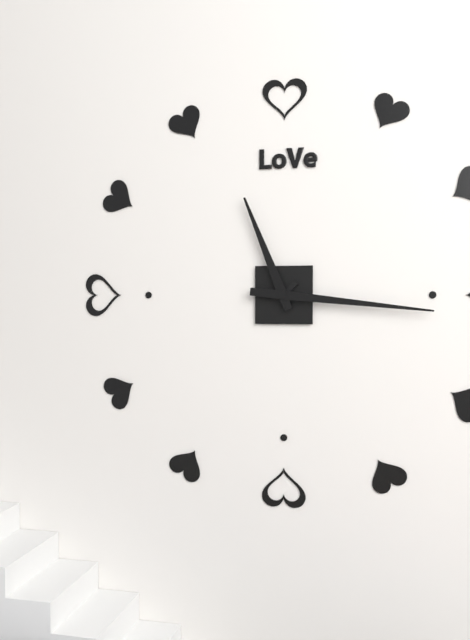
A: 11:16
